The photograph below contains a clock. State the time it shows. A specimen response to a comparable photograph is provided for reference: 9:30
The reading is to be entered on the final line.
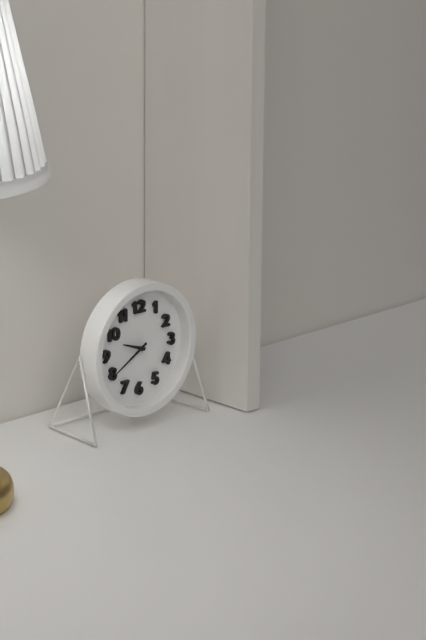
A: 9:40
